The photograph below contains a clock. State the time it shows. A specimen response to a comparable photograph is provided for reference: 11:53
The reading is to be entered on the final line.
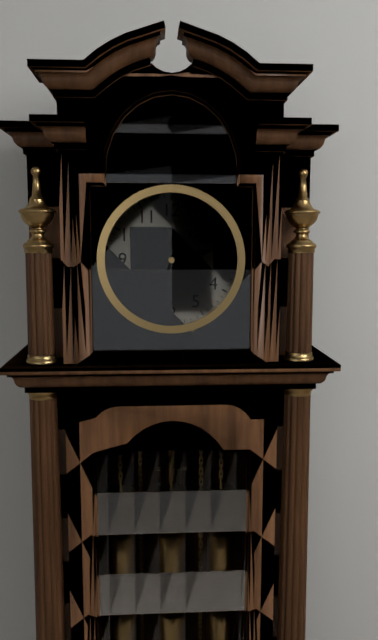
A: 2:33
